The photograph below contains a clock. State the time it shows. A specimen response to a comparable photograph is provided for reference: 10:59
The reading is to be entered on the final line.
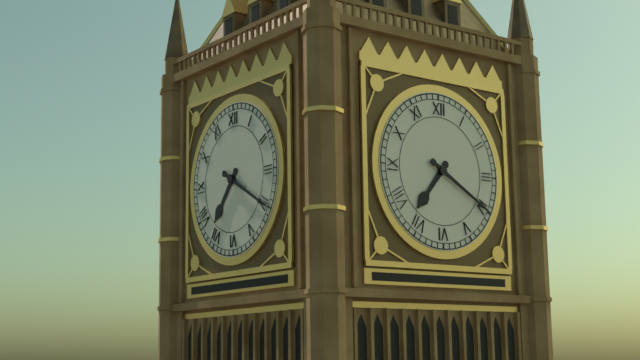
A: 7:20
